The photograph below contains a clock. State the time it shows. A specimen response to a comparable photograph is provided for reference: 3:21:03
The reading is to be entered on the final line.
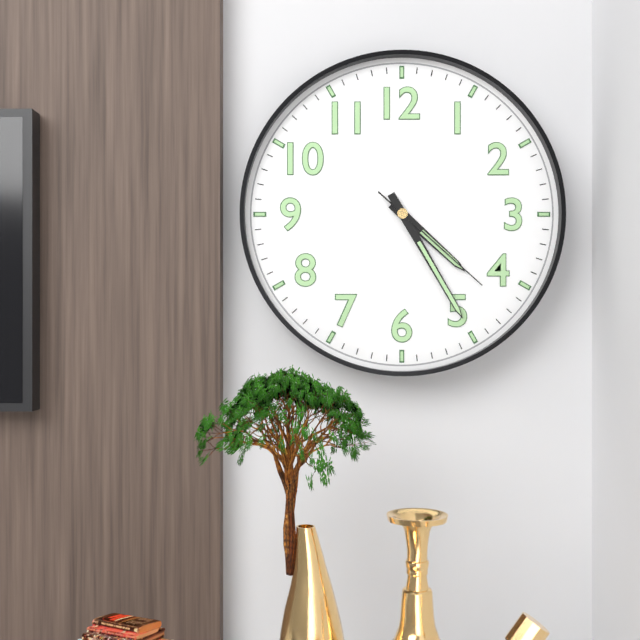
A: 4:25:22
